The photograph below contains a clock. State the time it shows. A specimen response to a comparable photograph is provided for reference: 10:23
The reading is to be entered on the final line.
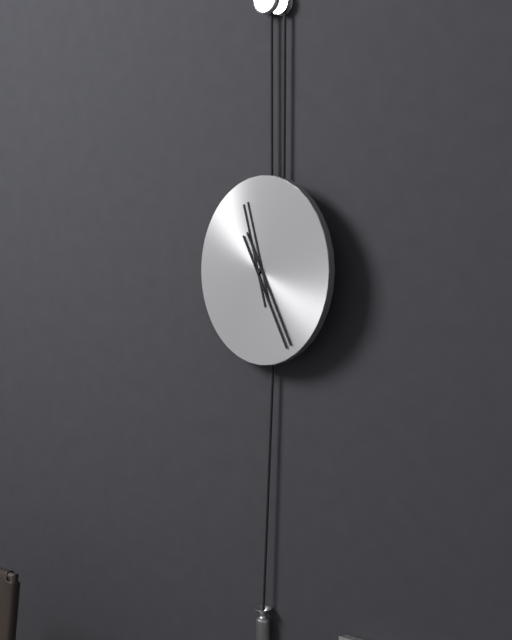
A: 11:25
